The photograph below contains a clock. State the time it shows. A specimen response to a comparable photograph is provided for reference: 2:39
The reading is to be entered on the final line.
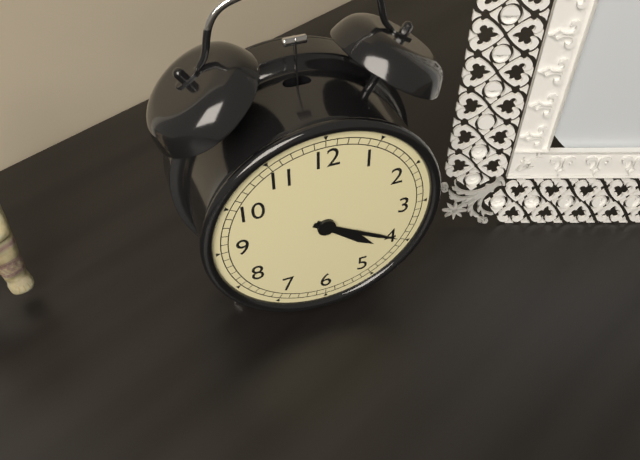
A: 4:20
